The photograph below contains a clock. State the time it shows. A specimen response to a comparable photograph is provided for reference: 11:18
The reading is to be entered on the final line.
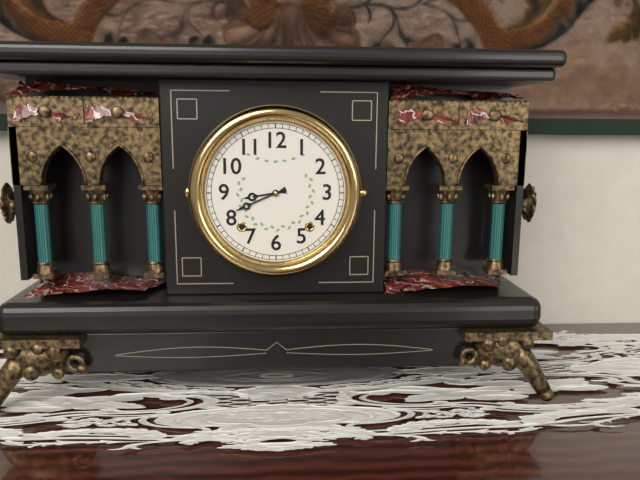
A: 8:41
